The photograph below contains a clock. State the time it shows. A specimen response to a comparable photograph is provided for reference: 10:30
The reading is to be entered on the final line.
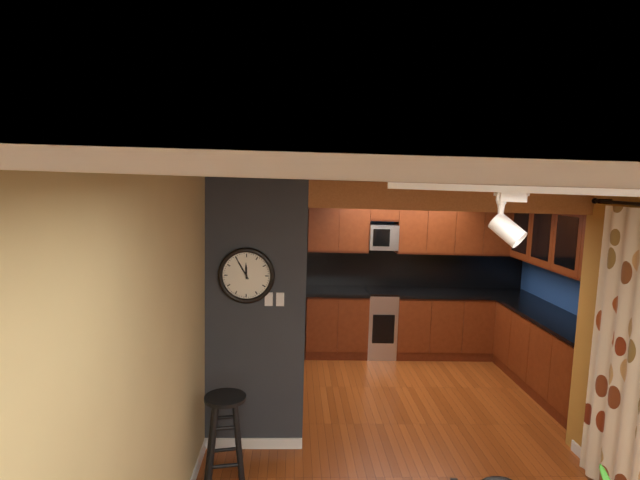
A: 11:55
